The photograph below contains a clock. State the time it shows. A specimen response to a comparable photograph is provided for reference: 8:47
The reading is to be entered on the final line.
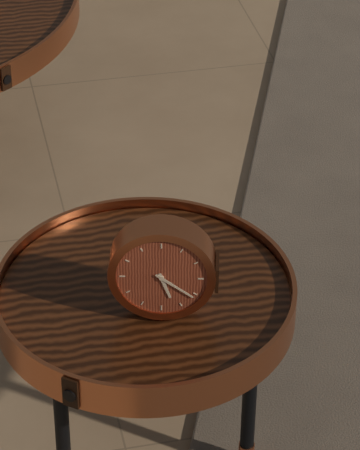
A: 5:21
